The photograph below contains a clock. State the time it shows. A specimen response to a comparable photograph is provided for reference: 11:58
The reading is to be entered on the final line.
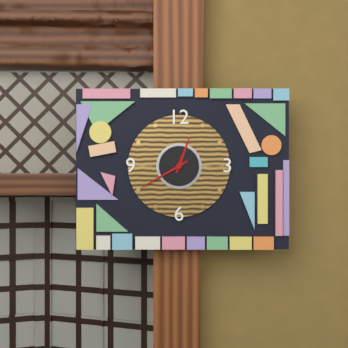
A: 12:40
